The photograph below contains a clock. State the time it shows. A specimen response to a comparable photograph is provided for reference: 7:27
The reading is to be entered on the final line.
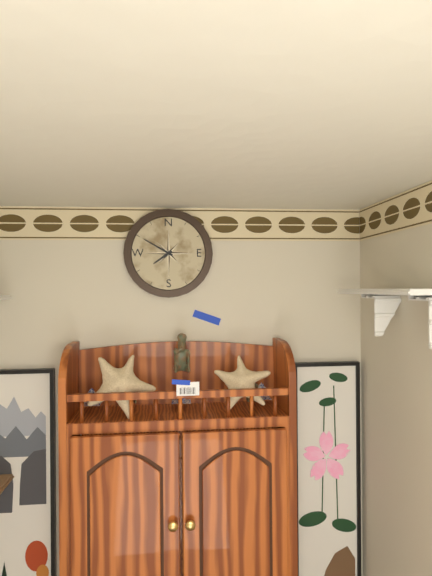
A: 7:50
